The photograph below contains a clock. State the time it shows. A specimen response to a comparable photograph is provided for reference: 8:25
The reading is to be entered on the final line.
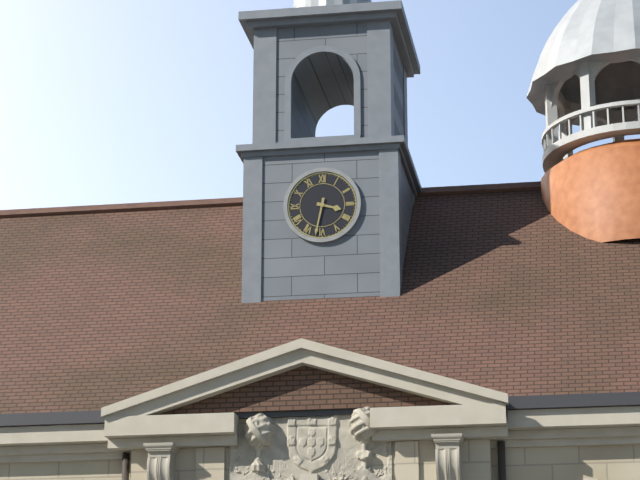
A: 3:32
